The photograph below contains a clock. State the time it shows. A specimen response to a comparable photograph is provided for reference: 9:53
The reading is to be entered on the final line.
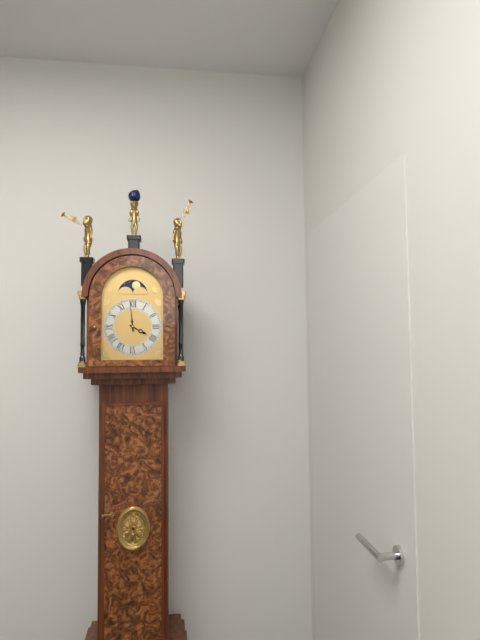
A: 3:59
